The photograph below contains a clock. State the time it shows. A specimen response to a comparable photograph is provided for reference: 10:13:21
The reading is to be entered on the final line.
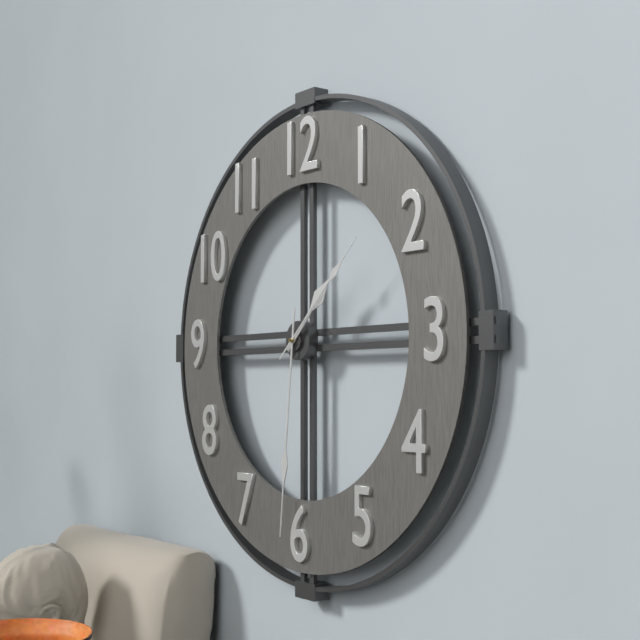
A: 1:31:08
